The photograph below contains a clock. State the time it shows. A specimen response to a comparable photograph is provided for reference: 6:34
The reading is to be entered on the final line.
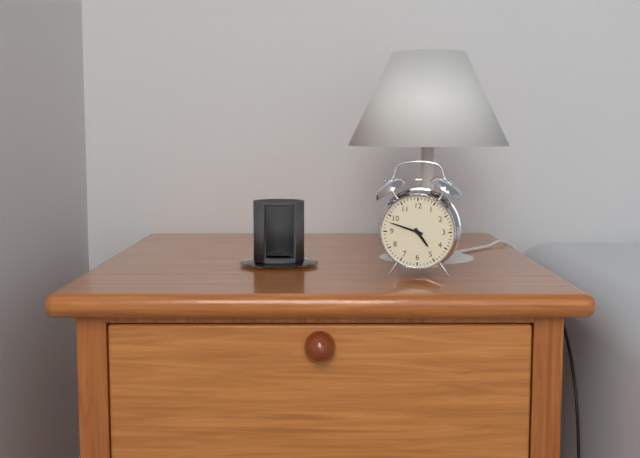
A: 4:48
